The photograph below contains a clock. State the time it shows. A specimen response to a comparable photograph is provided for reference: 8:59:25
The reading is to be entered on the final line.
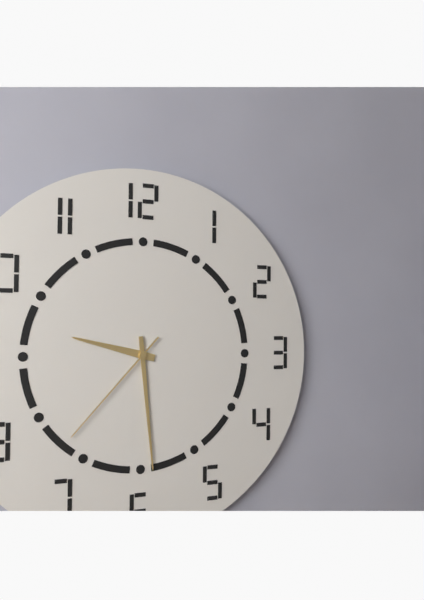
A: 9:29:37
